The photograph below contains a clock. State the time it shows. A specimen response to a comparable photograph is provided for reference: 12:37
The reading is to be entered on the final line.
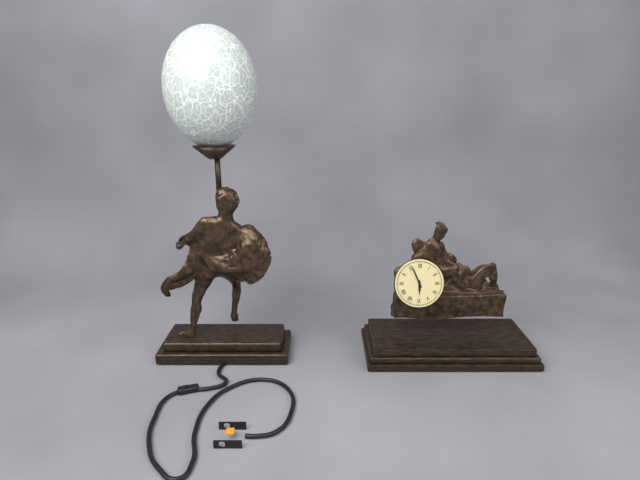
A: 5:56
